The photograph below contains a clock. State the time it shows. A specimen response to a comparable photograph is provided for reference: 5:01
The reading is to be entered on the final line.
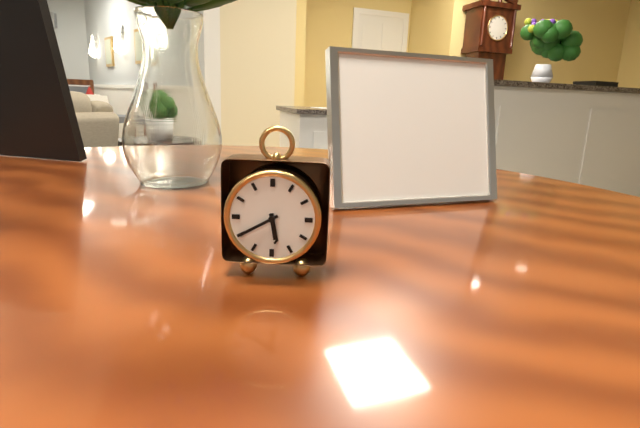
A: 5:40
